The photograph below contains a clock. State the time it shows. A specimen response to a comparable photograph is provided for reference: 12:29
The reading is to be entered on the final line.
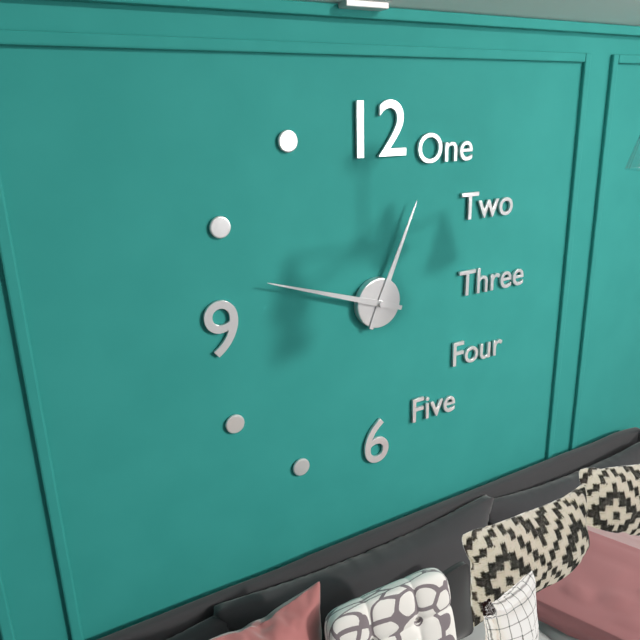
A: 12:48
